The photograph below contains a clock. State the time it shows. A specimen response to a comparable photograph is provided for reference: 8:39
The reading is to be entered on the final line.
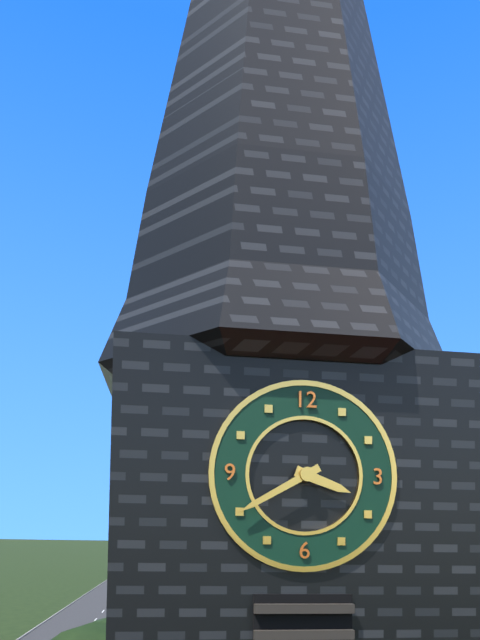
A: 3:40
